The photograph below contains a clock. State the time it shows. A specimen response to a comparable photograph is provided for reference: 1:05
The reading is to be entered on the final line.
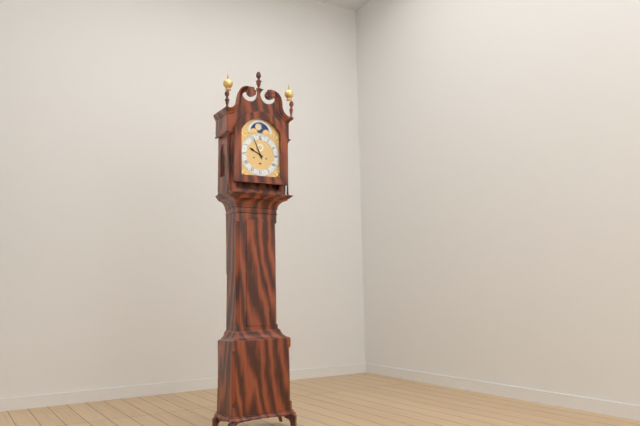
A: 9:56
